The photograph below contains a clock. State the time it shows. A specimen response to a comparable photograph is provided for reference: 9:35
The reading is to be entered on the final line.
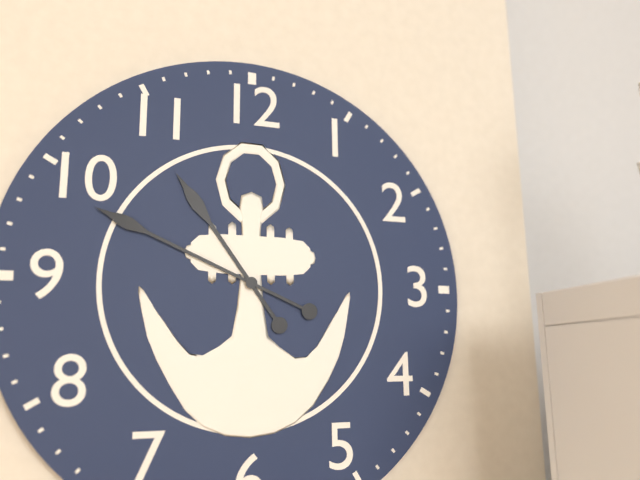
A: 10:49
